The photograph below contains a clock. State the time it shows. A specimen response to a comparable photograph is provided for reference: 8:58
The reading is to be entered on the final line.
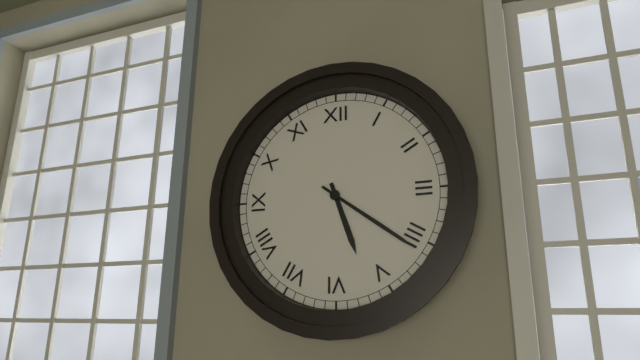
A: 5:21
